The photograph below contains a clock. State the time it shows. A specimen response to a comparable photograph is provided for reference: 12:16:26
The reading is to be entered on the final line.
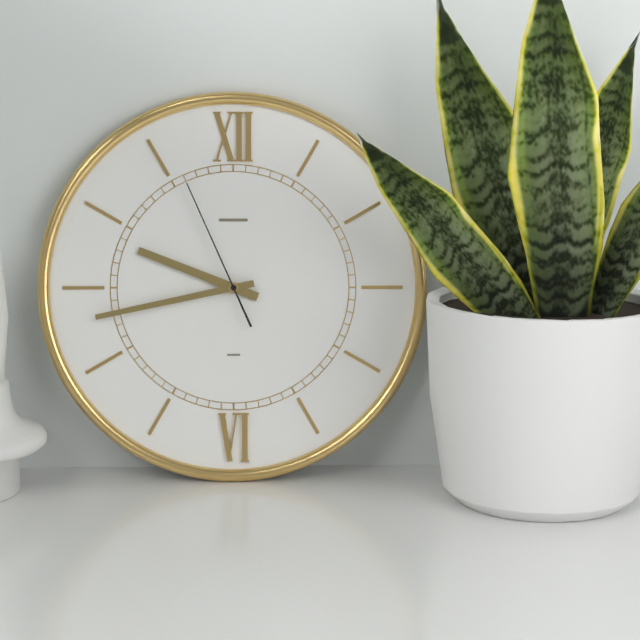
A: 9:43:56
